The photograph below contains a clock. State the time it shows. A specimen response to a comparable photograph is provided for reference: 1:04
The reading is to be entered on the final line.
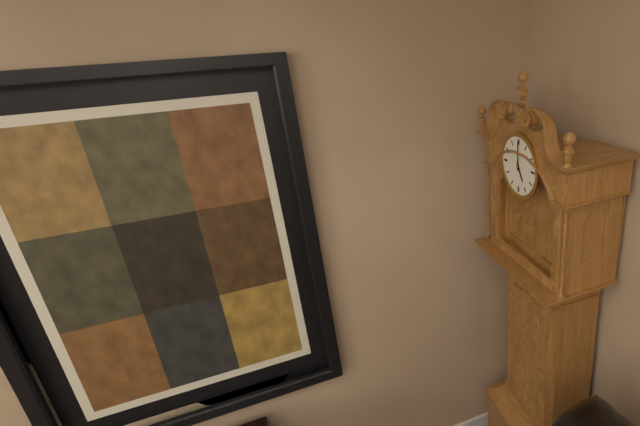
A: 5:00
